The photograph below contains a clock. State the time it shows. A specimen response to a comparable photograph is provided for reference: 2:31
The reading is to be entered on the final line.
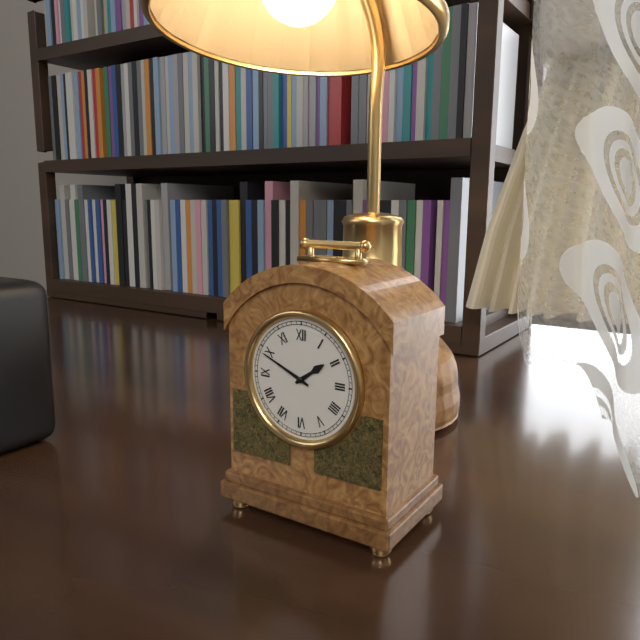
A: 1:49
